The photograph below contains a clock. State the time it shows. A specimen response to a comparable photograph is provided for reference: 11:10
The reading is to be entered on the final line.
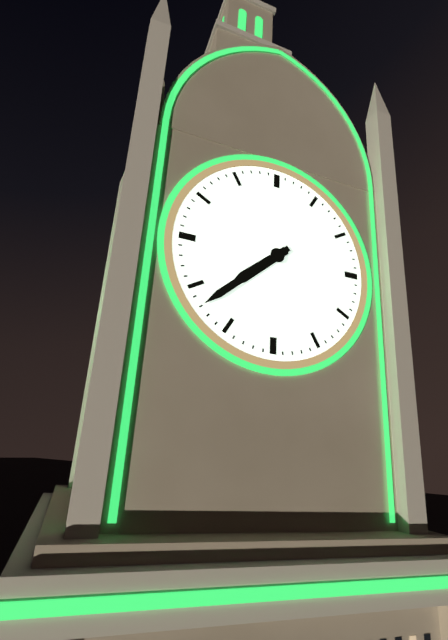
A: 7:38
